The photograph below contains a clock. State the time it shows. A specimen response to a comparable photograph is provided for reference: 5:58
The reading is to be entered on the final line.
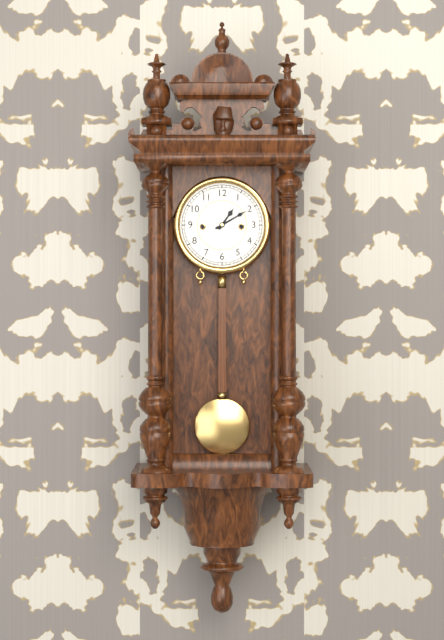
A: 1:10
